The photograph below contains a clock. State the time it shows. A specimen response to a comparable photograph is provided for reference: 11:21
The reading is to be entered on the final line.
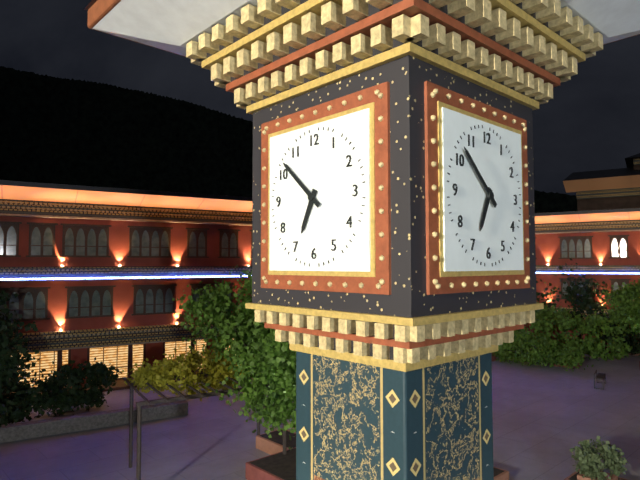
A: 6:52
